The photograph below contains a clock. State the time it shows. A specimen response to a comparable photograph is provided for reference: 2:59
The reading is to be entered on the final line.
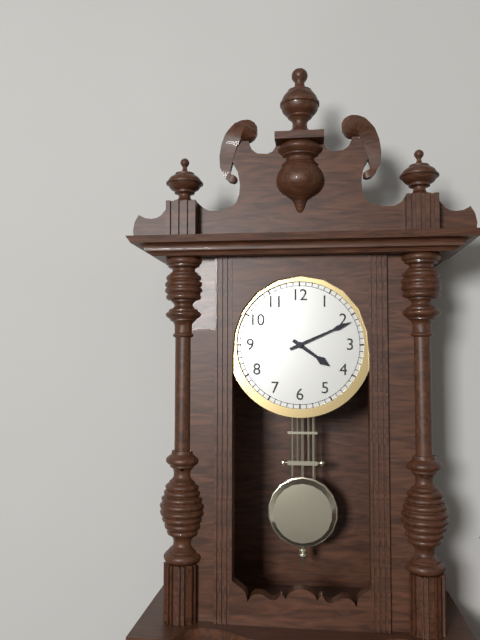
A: 4:11
